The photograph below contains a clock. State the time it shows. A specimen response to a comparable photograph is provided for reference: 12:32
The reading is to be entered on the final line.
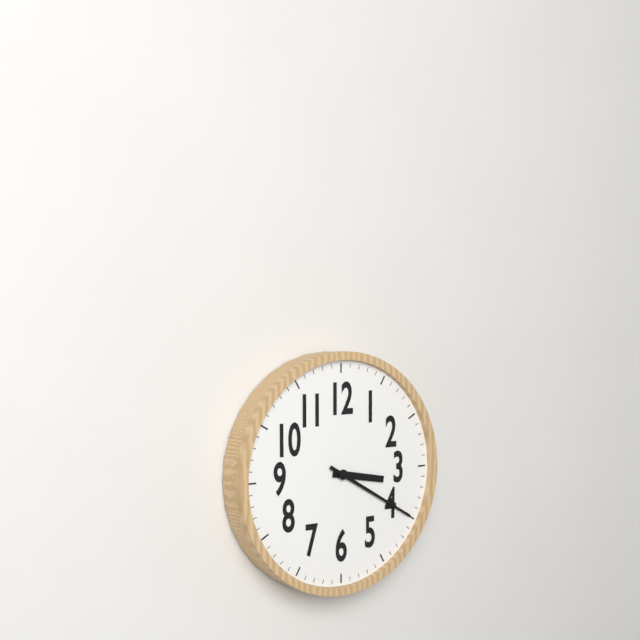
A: 3:20
